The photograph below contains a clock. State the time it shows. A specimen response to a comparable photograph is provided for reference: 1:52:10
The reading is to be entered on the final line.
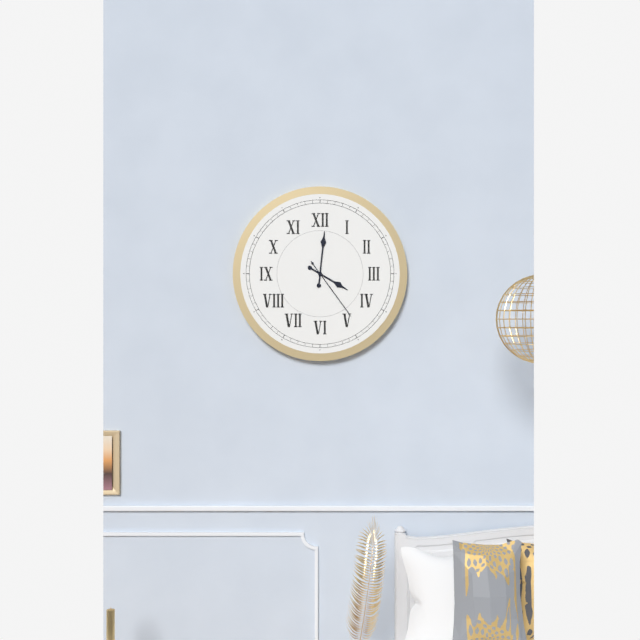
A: 4:01:24
